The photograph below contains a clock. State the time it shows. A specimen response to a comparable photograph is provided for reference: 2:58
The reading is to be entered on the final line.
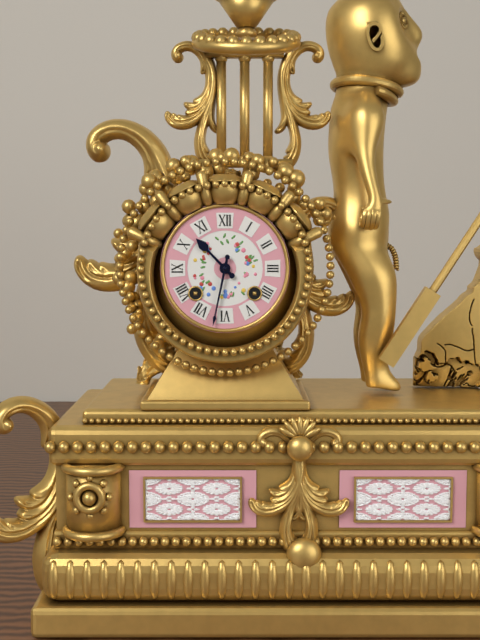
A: 10:32
